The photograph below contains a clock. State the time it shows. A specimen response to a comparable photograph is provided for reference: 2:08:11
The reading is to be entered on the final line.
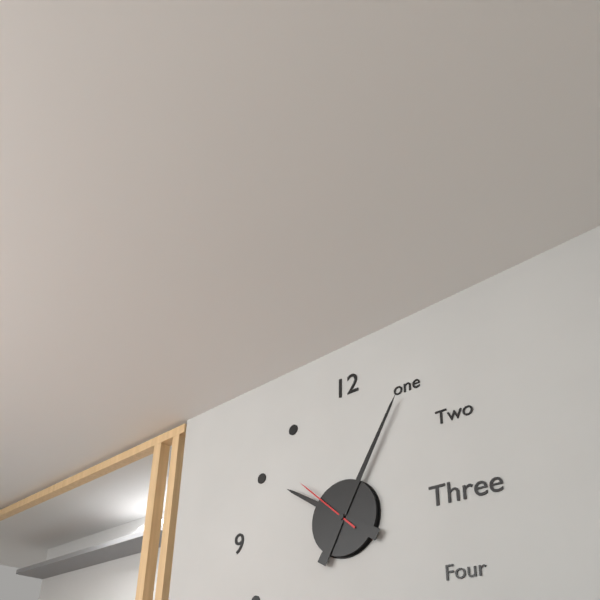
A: 10:05:52
